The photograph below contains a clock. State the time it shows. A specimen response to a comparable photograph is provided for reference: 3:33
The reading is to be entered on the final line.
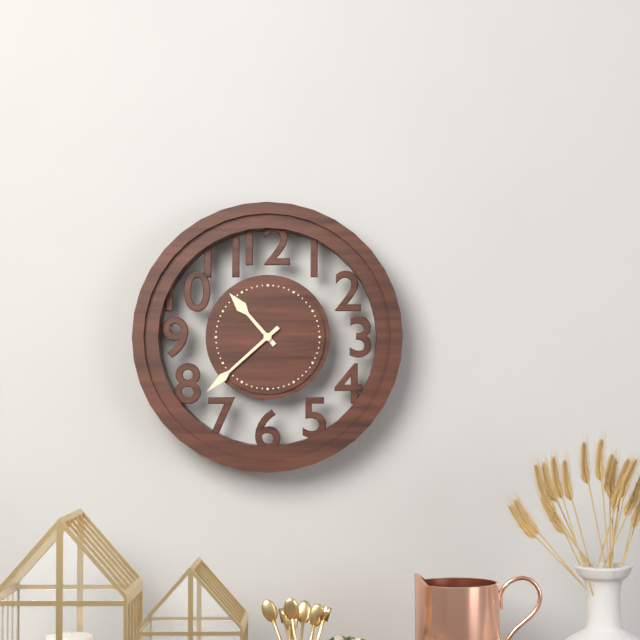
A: 10:38
